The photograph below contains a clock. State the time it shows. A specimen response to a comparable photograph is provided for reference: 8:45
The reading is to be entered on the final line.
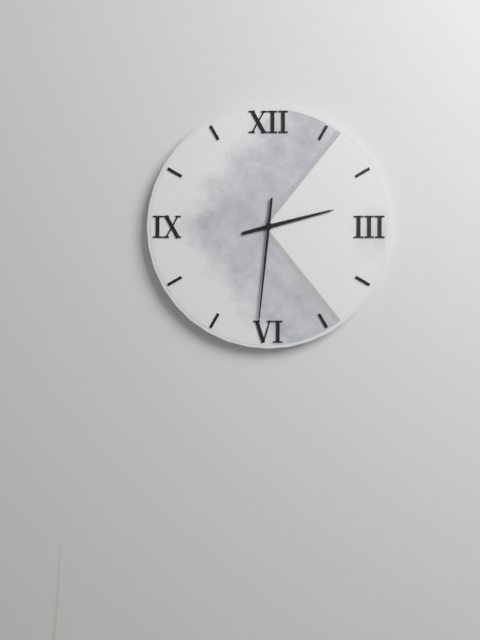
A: 2:31
